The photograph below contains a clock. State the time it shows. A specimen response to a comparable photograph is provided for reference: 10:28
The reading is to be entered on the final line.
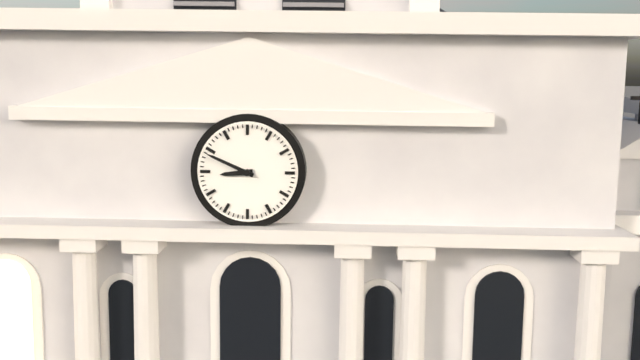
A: 8:49
